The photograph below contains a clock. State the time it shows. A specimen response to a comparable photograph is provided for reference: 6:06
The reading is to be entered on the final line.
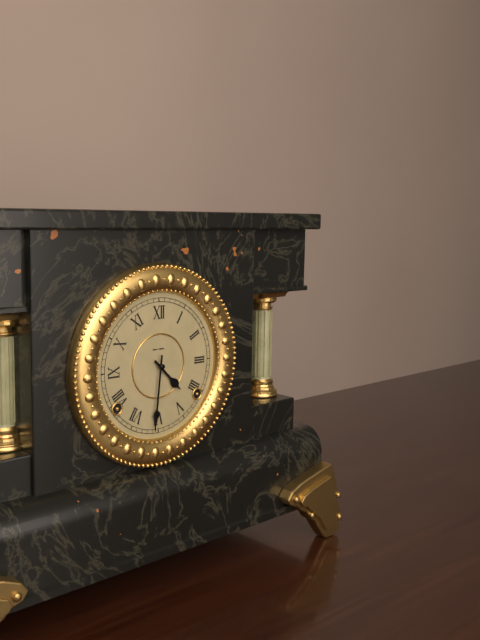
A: 4:31
